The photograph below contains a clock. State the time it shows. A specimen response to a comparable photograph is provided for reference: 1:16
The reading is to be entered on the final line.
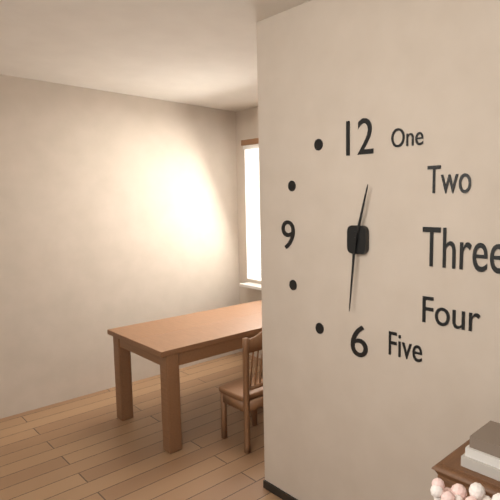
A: 12:31
